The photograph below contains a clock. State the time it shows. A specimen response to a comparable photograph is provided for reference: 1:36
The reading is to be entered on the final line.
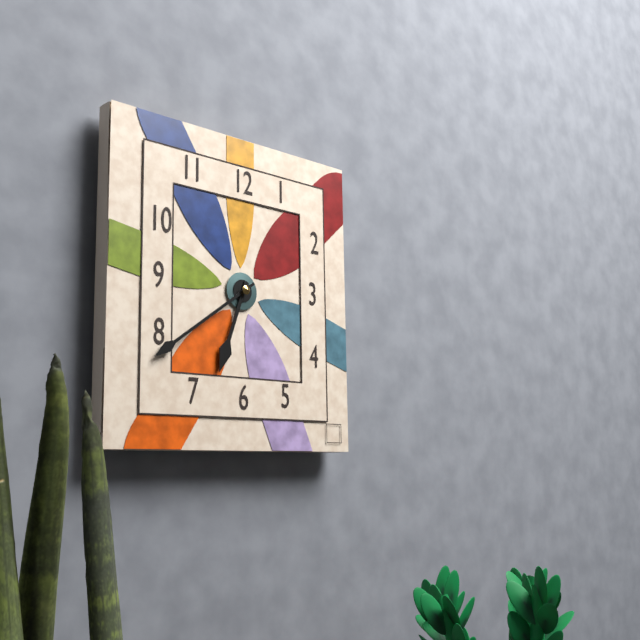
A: 6:39
